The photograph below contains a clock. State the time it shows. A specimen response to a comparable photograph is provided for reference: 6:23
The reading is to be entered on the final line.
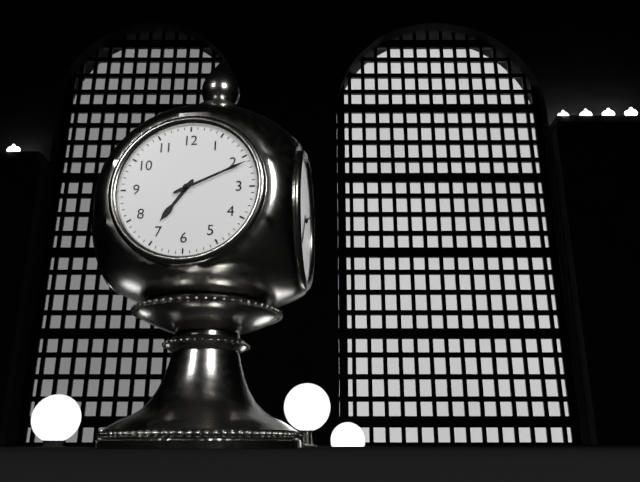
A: 7:11
